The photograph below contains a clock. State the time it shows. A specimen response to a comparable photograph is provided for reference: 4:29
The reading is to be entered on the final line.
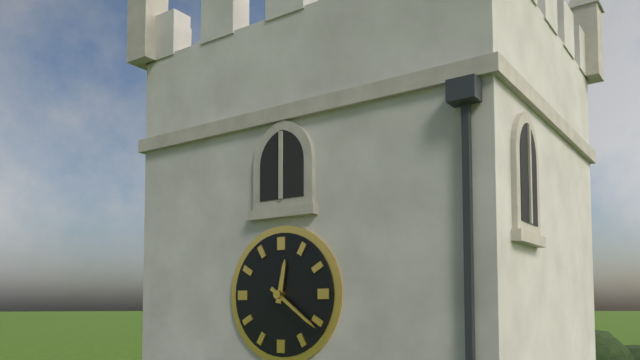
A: 12:21
